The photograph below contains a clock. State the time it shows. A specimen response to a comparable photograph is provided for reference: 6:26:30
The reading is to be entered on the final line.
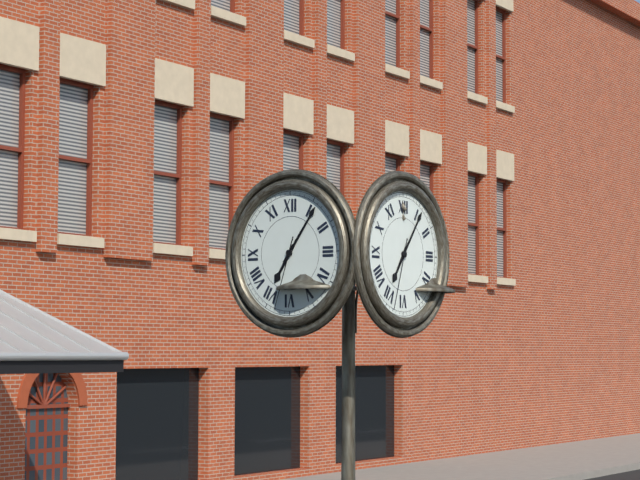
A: 7:06:33
